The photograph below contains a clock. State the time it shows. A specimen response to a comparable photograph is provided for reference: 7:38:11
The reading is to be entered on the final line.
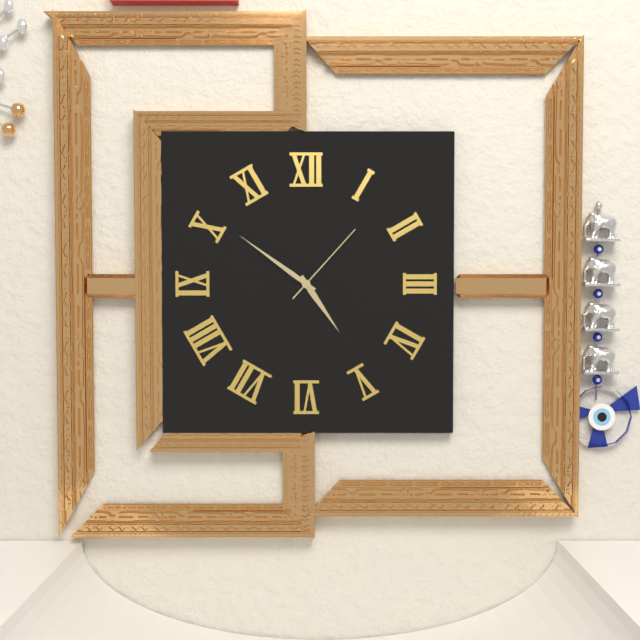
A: 4:51:07
